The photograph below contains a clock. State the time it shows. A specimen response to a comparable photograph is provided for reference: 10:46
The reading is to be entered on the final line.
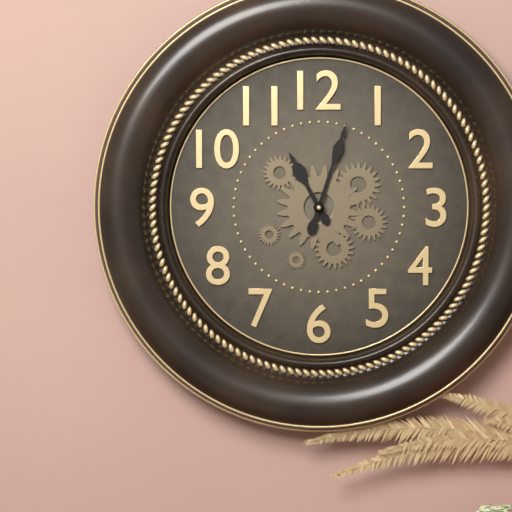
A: 11:03
